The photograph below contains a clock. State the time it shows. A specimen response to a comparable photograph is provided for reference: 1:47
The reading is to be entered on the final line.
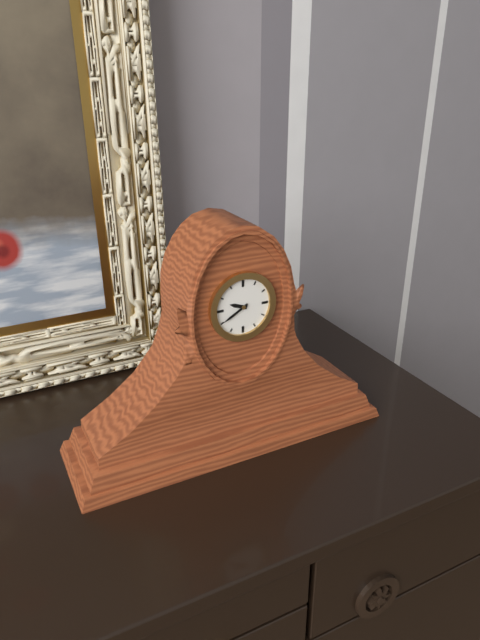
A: 9:40
